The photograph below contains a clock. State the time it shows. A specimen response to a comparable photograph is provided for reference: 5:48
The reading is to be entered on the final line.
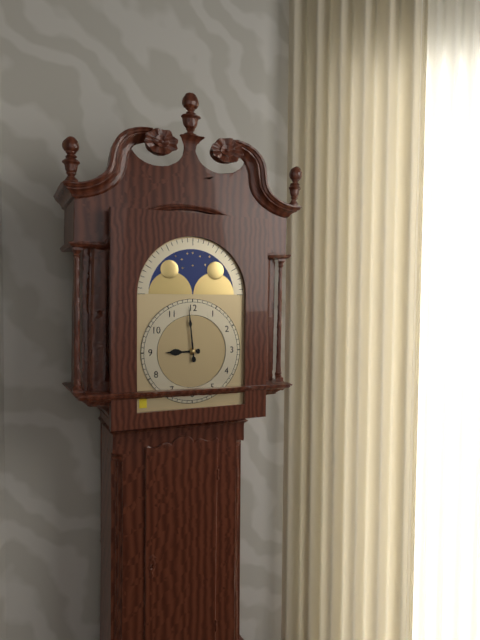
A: 8:59
